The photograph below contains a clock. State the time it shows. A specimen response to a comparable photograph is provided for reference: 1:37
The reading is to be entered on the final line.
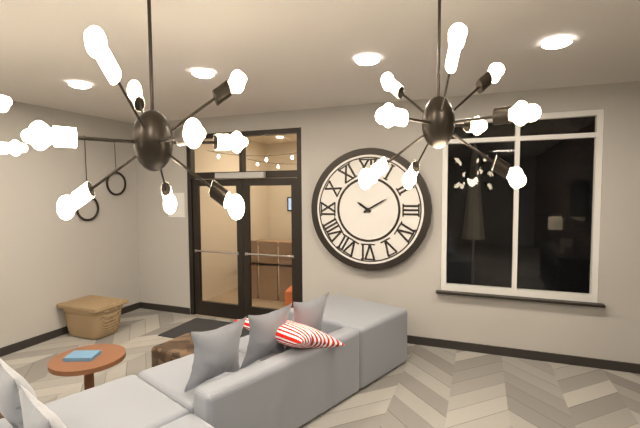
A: 10:10
